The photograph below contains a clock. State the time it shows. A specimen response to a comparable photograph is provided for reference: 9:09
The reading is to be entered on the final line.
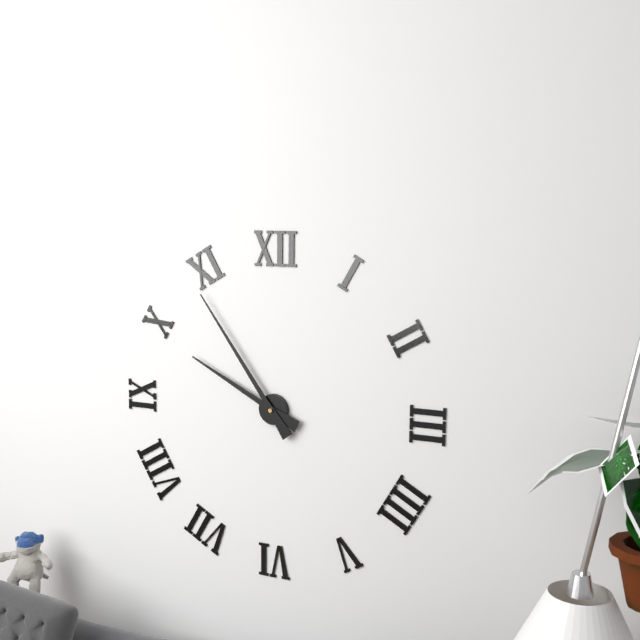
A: 9:54
